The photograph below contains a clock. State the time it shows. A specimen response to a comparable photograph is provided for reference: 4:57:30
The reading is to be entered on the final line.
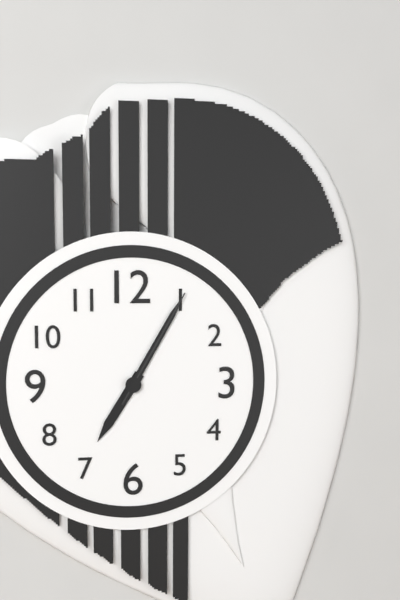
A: 7:05:05
